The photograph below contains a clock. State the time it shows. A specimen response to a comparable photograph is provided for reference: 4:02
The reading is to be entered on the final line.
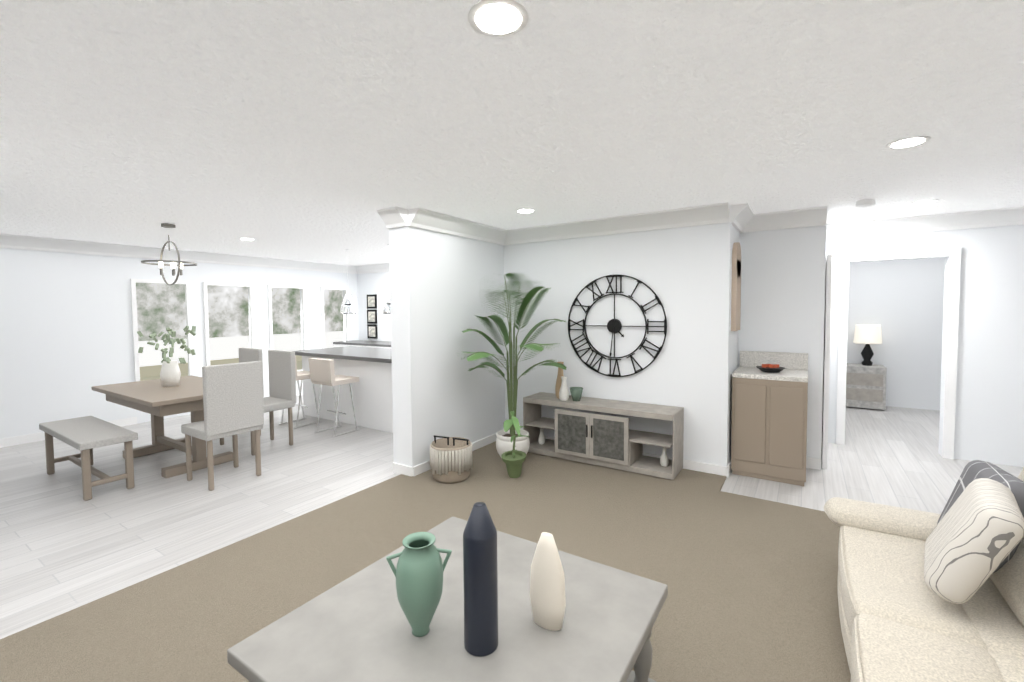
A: 4:31
